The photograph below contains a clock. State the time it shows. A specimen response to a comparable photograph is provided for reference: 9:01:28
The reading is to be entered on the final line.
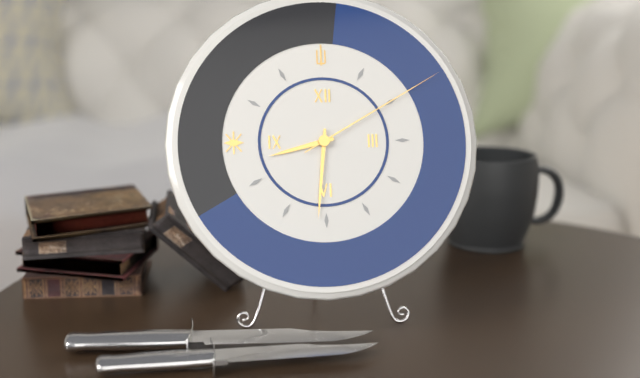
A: 8:31:10
